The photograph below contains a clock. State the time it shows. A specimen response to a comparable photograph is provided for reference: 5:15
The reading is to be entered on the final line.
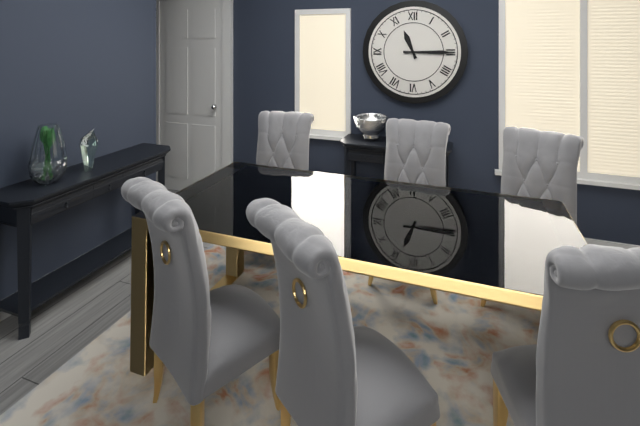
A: 11:15
